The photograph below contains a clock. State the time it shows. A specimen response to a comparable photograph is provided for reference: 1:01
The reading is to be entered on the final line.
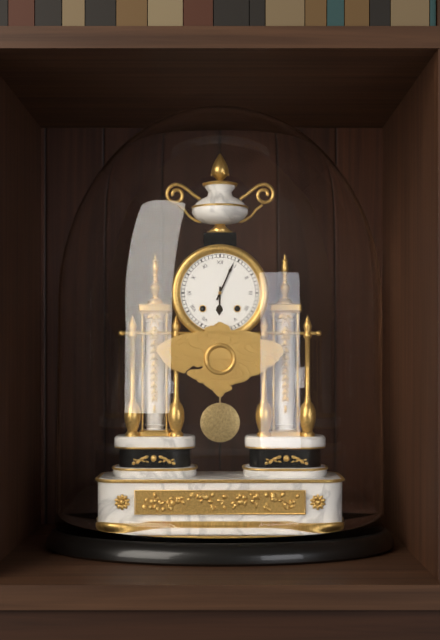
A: 6:04
